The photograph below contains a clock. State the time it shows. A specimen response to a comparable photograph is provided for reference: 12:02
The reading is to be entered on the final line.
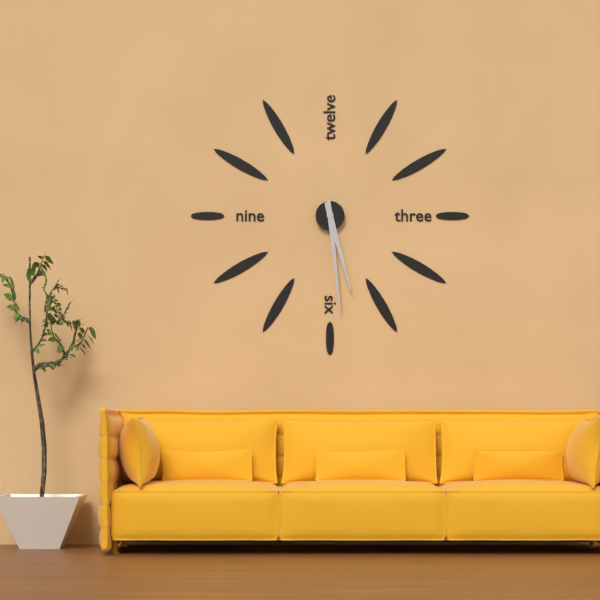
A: 5:29
